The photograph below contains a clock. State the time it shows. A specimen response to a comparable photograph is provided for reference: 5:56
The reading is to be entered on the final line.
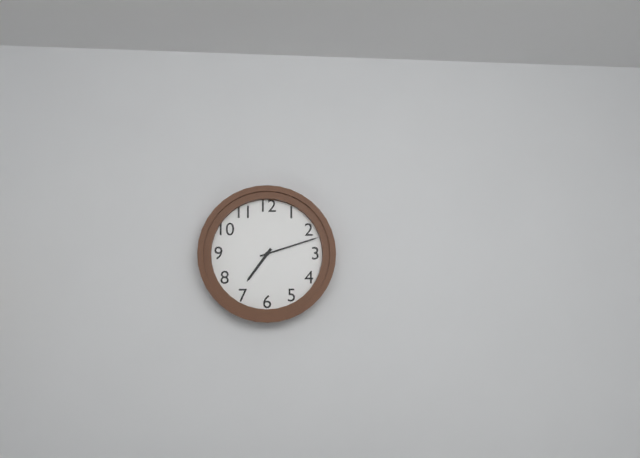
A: 7:12
